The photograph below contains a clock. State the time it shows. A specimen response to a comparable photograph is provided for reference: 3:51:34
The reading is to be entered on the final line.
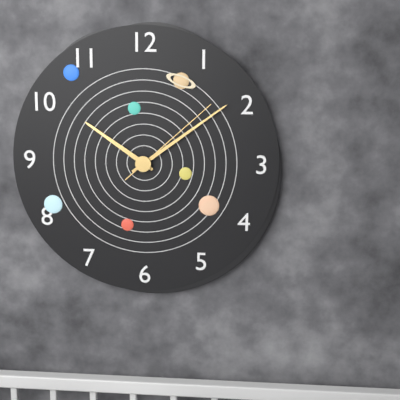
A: 10:09:08
